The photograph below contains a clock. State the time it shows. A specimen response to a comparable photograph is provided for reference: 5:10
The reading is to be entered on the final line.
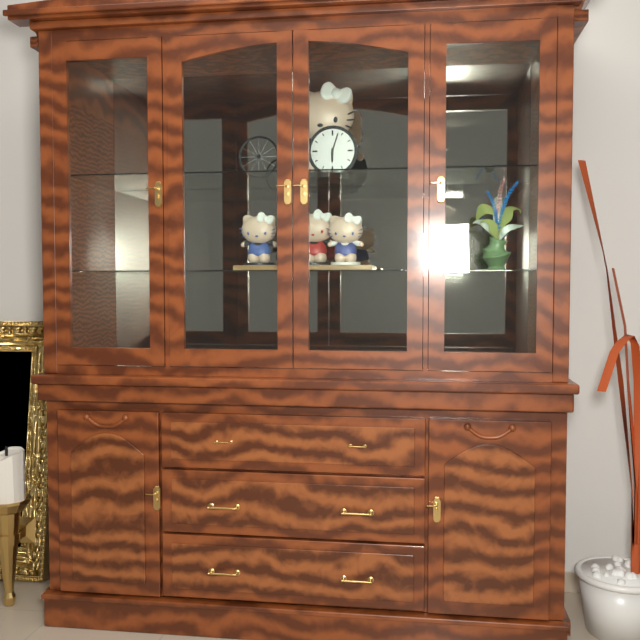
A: 6:03
